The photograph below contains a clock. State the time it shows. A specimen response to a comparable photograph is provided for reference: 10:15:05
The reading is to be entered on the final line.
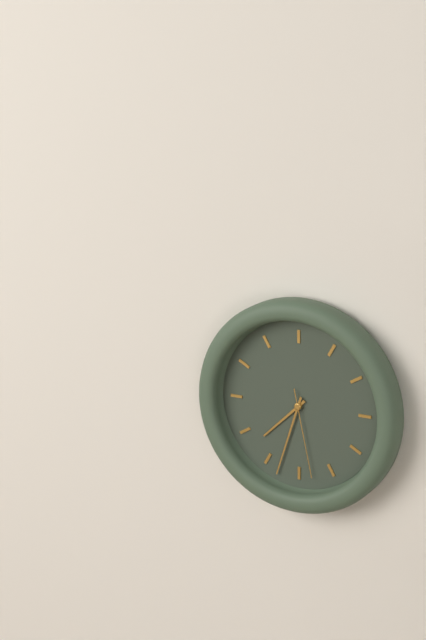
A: 7:33:28
